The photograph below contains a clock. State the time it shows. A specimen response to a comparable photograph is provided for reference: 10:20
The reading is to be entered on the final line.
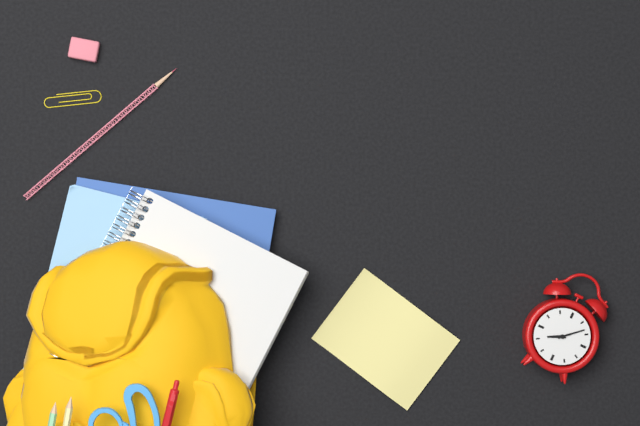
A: 8:08
